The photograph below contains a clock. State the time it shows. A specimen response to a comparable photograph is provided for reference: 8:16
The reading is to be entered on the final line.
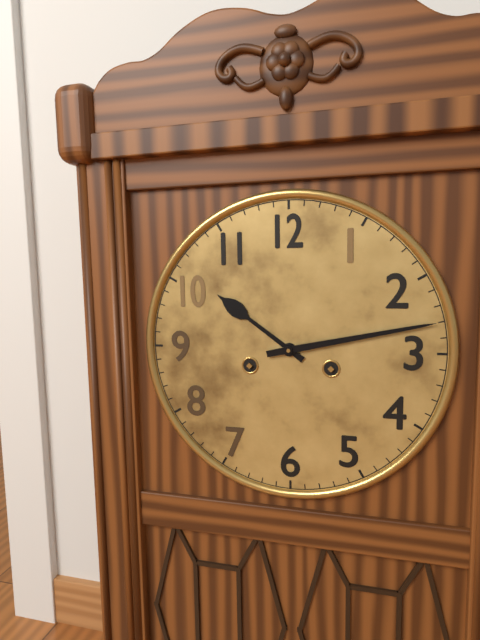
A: 10:13
